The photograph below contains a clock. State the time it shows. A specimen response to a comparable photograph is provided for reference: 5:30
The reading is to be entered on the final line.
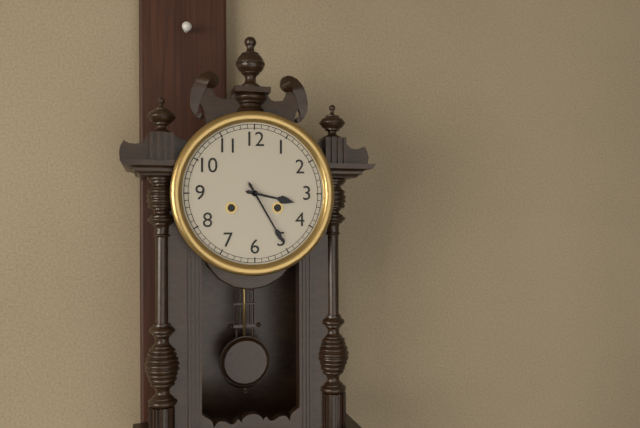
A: 3:25
